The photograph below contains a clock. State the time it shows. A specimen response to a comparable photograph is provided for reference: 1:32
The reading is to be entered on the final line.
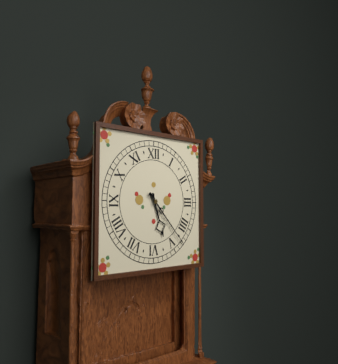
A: 5:23
